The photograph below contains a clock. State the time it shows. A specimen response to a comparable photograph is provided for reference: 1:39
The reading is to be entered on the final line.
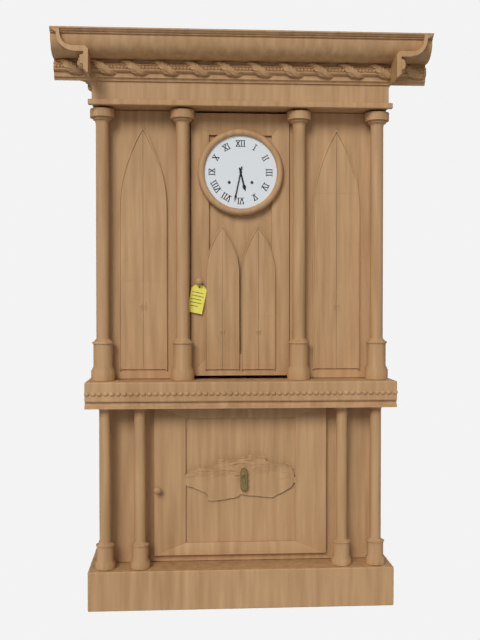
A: 5:32
